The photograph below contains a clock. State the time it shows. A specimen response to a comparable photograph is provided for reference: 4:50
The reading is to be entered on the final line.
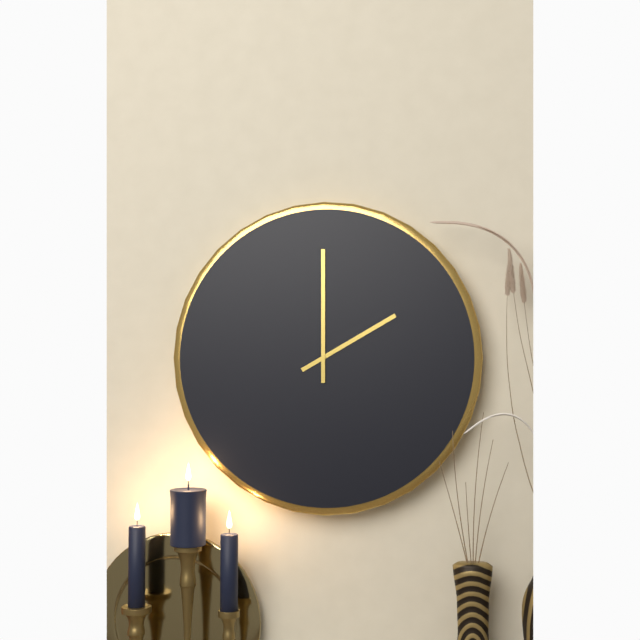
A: 2:00
